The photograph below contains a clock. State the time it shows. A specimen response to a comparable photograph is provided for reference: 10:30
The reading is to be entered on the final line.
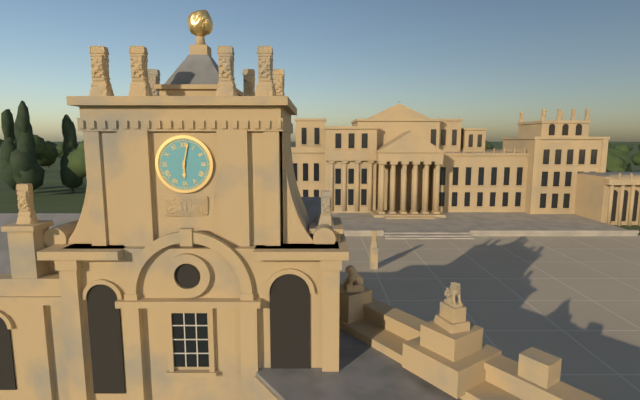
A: 6:02
